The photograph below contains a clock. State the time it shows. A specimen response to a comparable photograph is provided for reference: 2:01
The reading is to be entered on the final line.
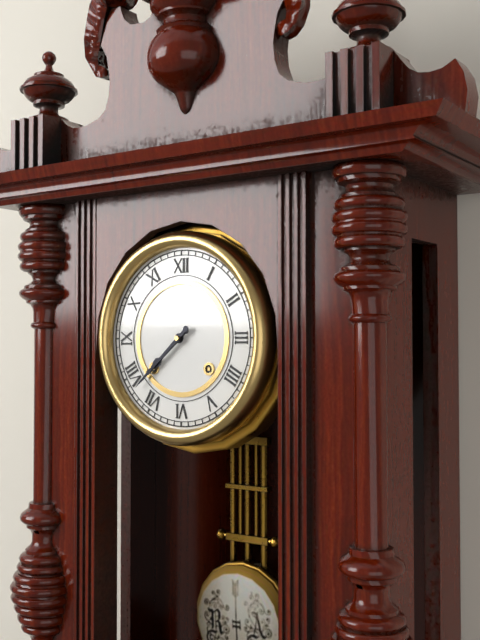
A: 7:38
